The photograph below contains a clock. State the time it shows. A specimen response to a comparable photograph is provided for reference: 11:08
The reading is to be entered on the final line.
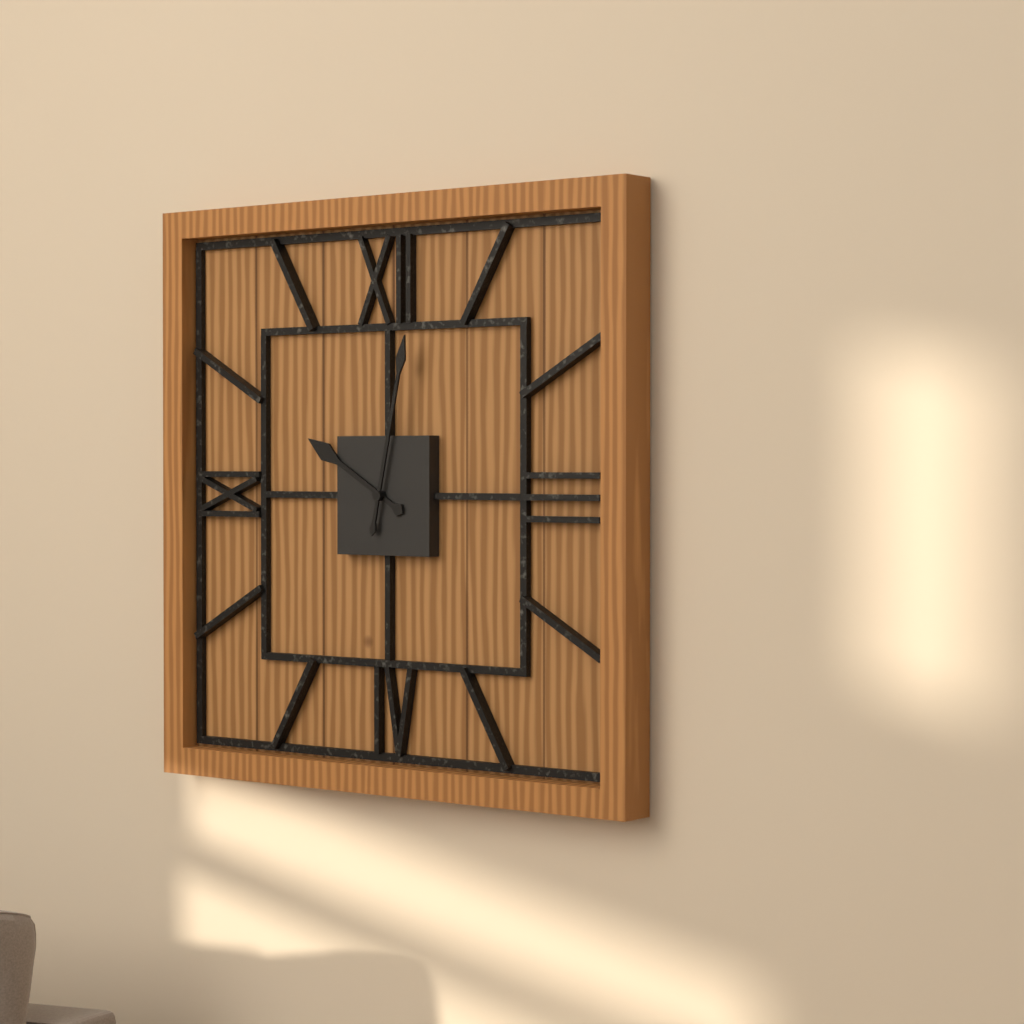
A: 10:02
